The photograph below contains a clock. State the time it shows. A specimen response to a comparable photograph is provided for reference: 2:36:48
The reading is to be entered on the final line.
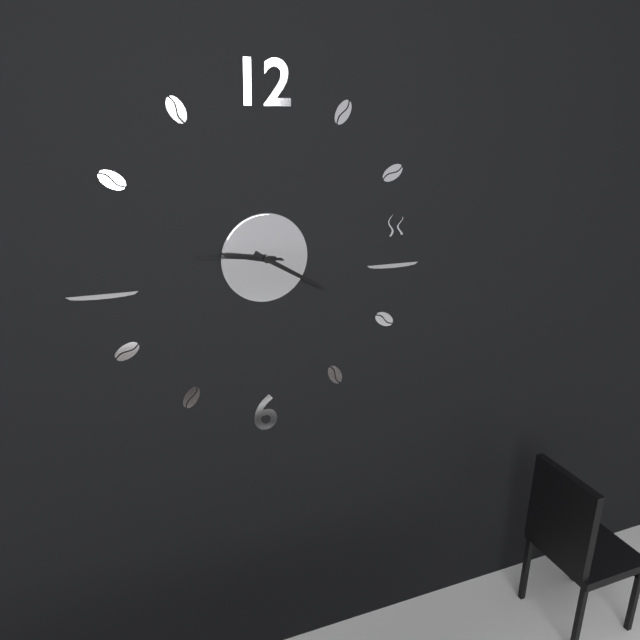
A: 9:20:46
